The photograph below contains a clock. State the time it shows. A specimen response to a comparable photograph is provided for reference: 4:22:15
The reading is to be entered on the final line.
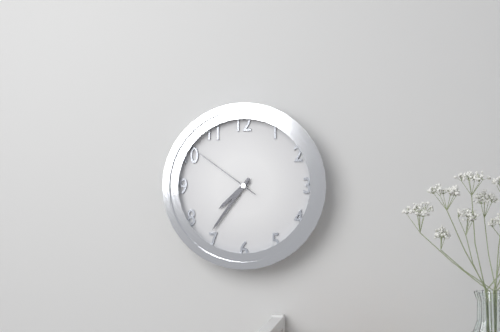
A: 7:36:51
